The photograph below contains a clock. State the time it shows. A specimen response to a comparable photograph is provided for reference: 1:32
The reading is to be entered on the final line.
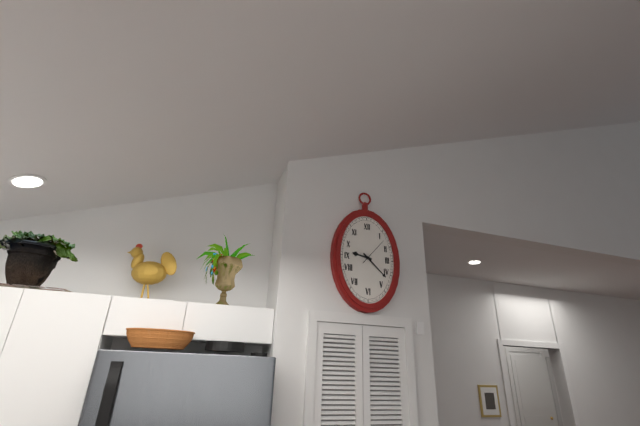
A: 9:22
